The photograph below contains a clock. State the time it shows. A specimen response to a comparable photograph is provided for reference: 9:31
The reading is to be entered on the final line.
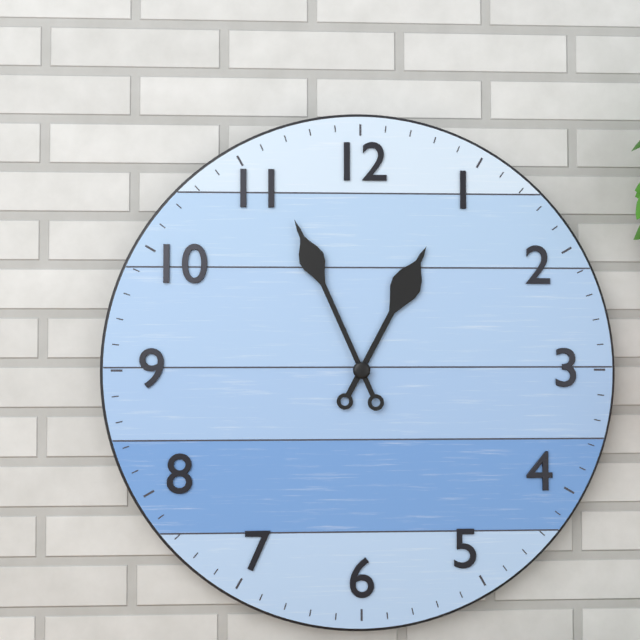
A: 12:56
